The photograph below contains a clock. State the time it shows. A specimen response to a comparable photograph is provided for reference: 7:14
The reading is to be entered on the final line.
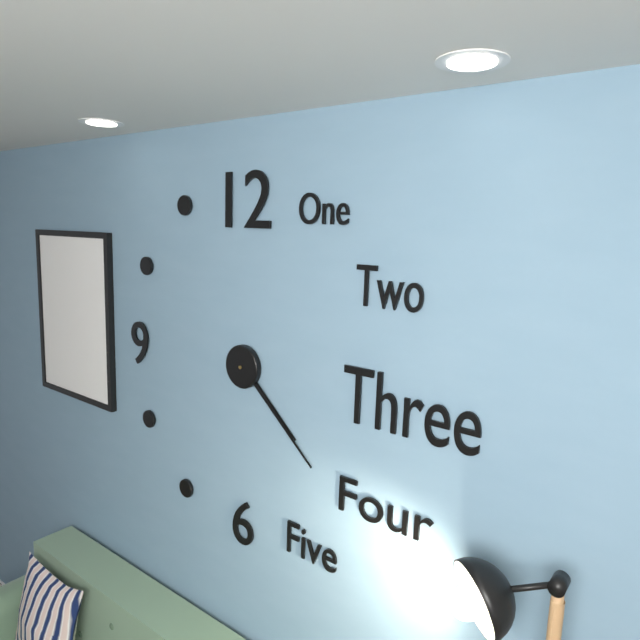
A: 4:22
